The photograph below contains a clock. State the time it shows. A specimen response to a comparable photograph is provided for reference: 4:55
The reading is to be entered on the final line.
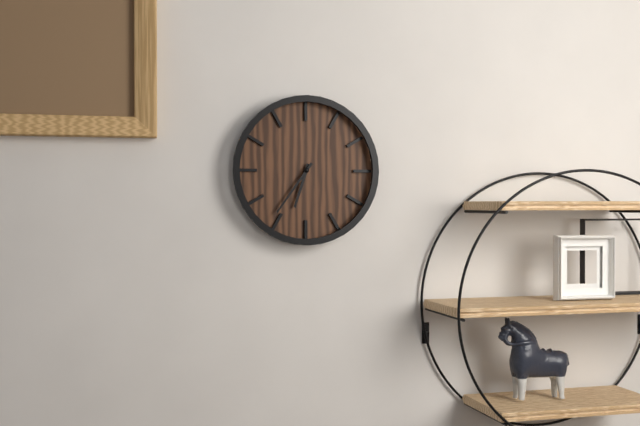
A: 6:36
